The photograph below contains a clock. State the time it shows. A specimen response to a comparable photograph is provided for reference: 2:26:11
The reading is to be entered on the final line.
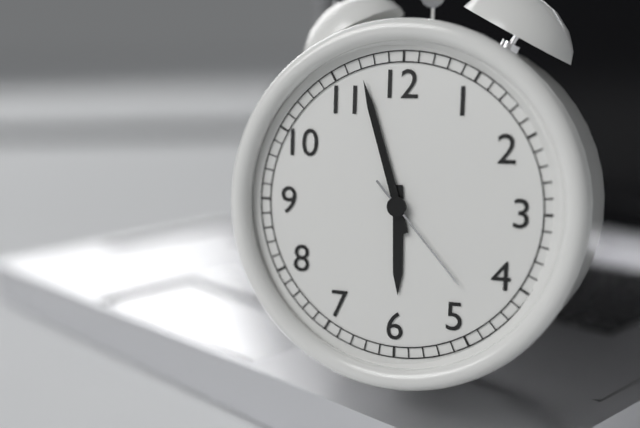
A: 5:57:23
